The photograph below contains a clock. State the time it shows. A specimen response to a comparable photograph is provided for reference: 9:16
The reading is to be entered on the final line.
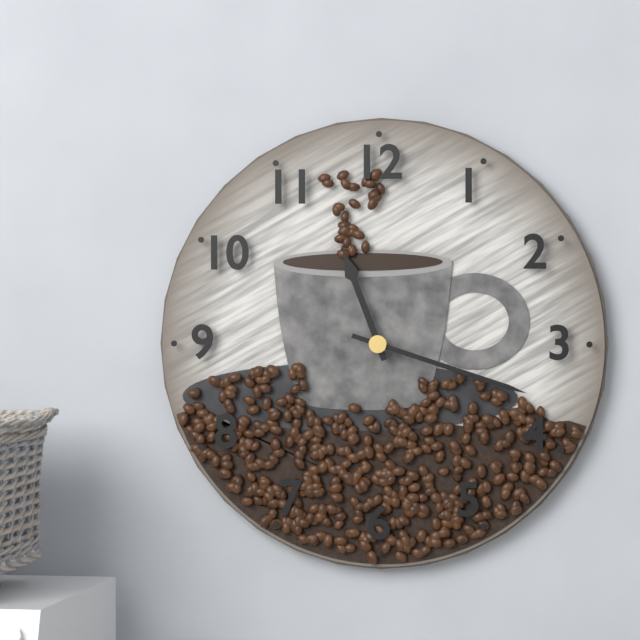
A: 11:18
